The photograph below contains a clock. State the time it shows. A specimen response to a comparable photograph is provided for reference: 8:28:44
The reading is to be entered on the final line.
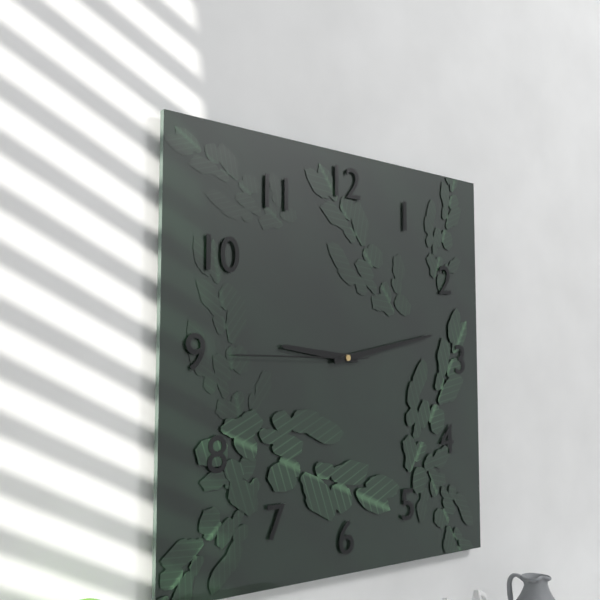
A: 9:13:45
